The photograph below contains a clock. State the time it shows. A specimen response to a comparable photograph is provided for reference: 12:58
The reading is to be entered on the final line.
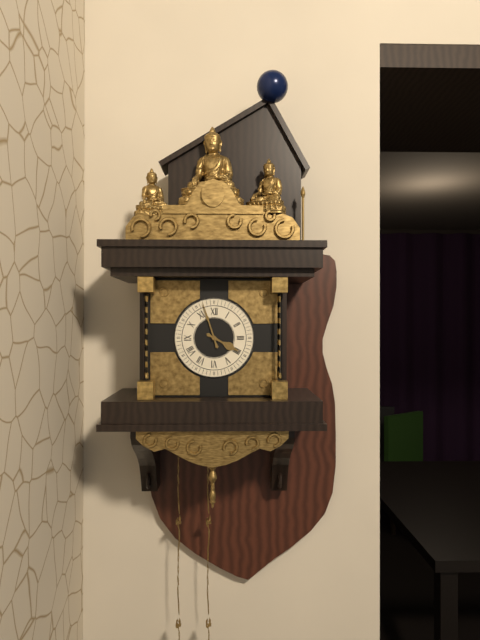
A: 3:57
